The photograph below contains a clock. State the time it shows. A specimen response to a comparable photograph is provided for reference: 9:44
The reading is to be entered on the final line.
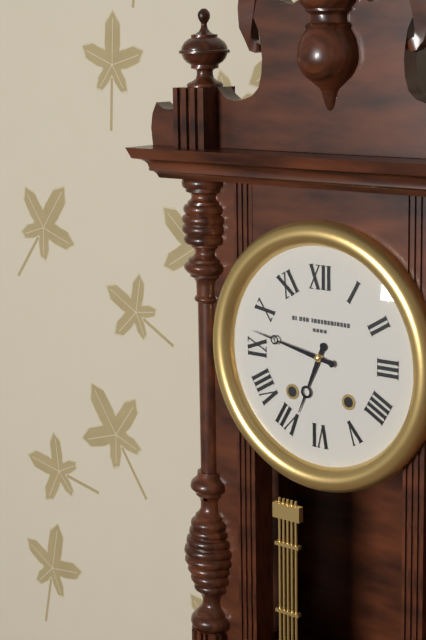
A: 6:47
